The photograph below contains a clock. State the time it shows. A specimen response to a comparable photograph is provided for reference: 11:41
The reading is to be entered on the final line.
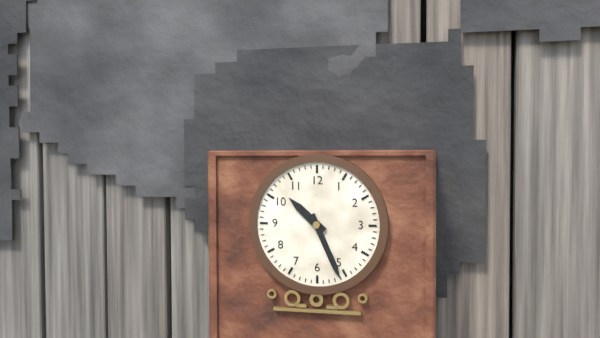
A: 10:26
